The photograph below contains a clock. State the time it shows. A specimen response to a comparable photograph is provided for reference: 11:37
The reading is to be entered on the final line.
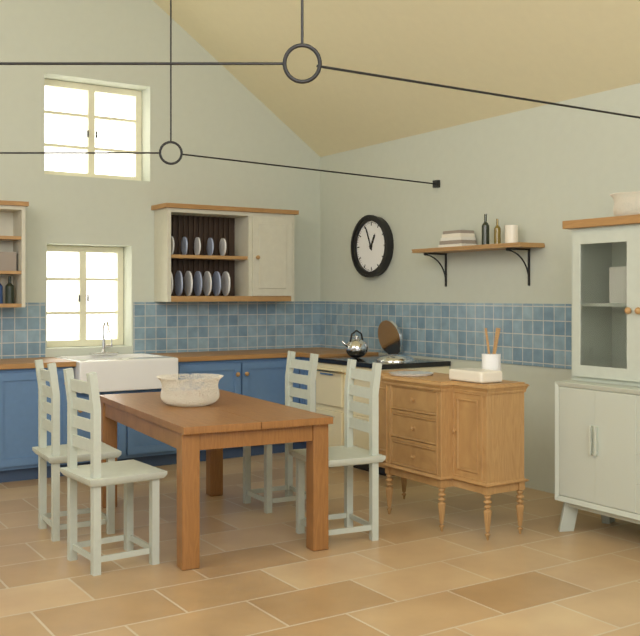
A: 12:56
